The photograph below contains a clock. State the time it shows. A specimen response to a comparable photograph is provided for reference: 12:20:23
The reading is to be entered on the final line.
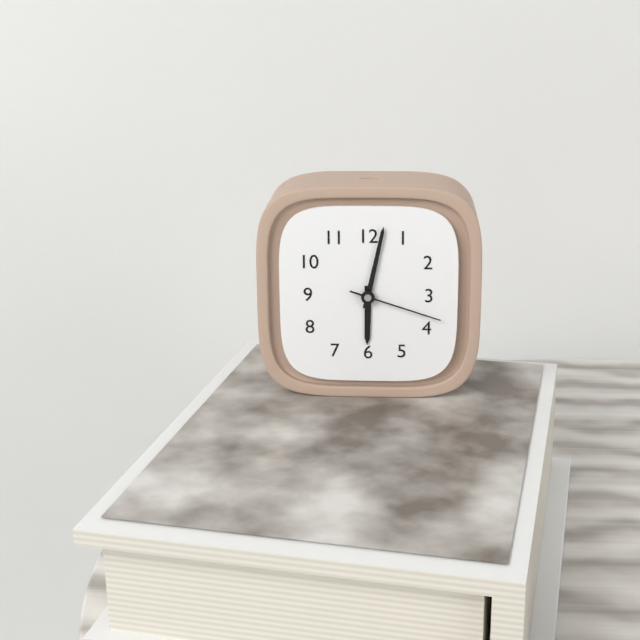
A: 6:02:18
